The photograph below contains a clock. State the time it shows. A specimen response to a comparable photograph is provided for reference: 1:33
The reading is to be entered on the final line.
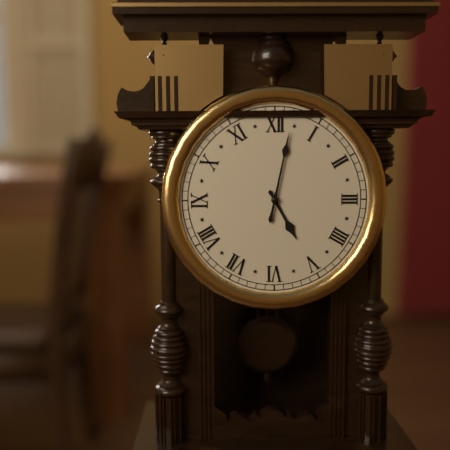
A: 5:02
